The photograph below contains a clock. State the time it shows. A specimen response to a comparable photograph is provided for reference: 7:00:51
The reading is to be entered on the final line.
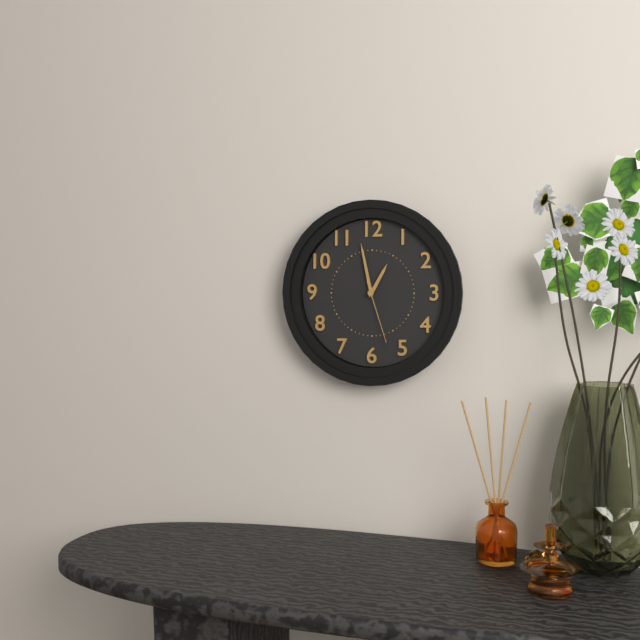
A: 12:58:27
